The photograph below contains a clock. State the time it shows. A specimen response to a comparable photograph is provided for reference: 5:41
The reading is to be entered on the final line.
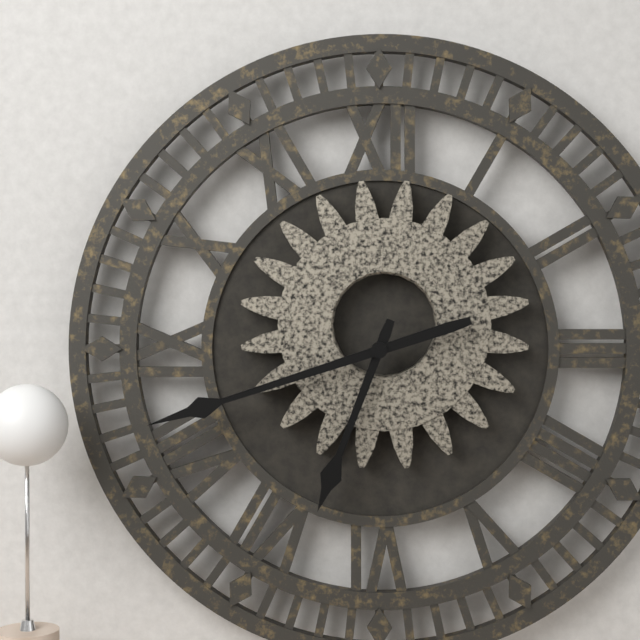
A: 6:42
